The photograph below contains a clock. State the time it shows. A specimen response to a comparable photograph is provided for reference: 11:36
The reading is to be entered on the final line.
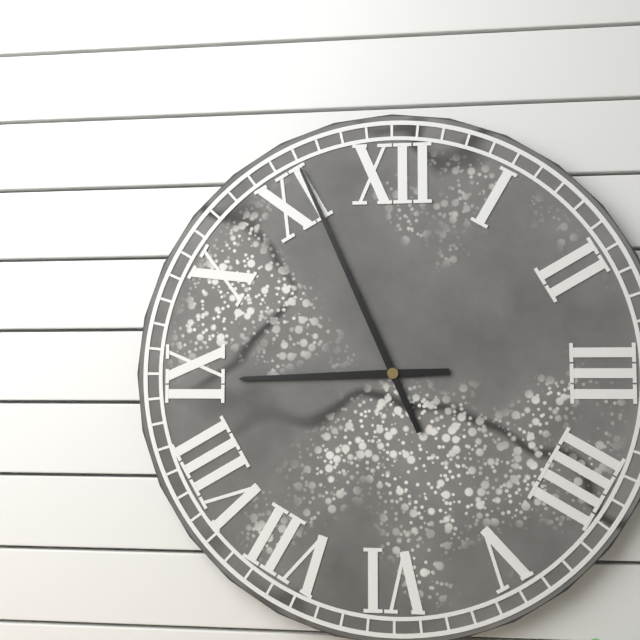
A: 8:56
